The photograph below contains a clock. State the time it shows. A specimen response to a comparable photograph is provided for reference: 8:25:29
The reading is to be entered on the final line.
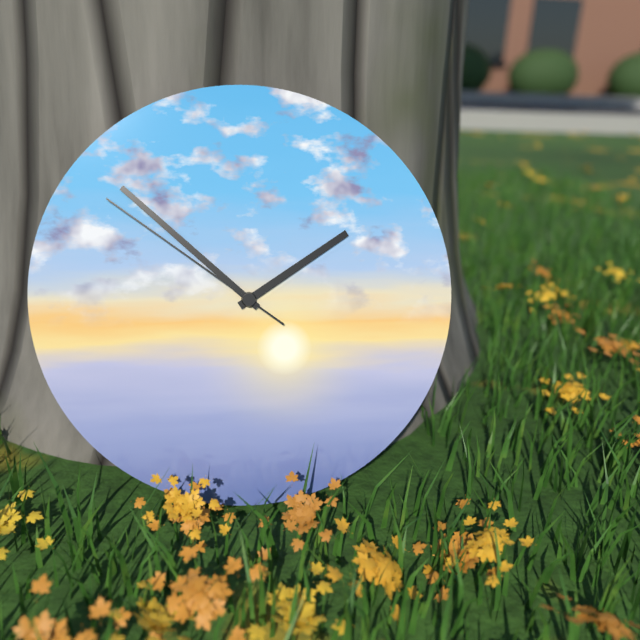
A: 1:52:51
